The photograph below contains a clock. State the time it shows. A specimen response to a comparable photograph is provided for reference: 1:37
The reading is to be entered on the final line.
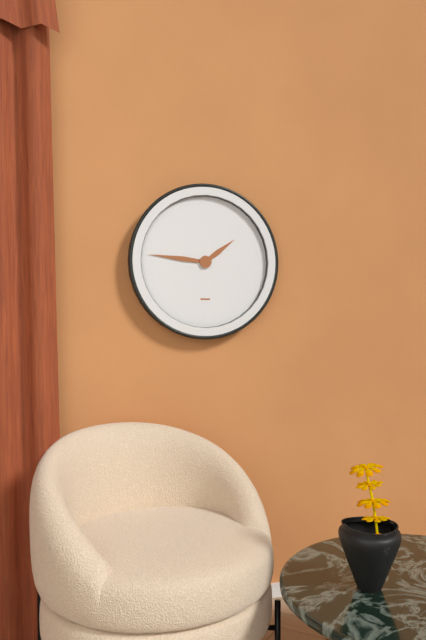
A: 1:46
